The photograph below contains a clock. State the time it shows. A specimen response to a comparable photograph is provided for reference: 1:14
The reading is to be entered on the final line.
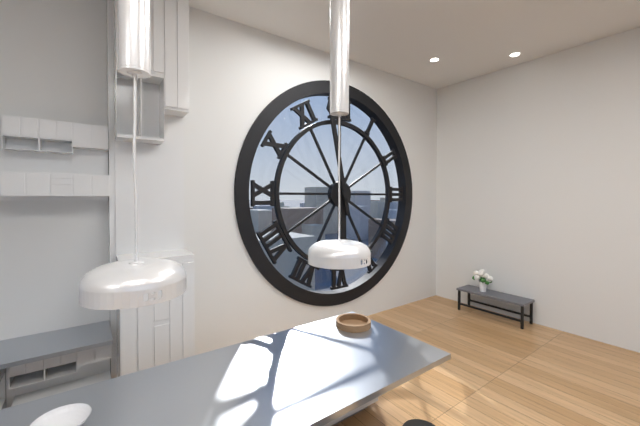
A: 5:58
